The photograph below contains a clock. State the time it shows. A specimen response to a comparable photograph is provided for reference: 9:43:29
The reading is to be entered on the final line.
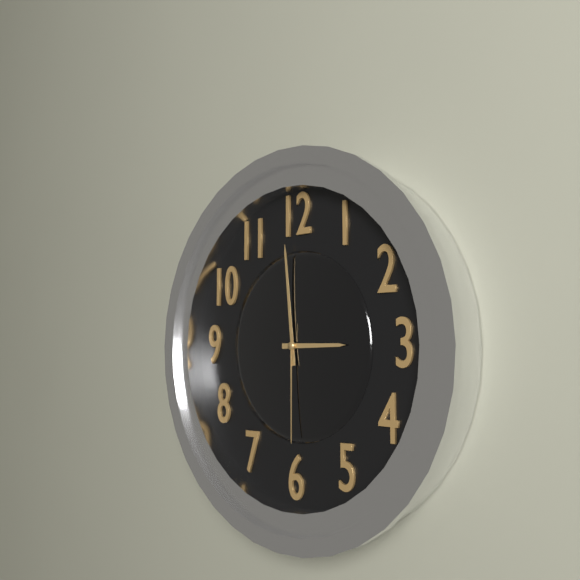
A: 2:59:30
